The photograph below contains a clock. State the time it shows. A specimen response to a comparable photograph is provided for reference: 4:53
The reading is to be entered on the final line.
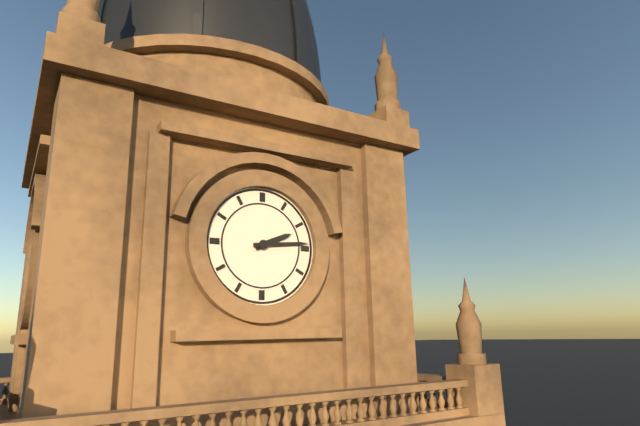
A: 2:14
